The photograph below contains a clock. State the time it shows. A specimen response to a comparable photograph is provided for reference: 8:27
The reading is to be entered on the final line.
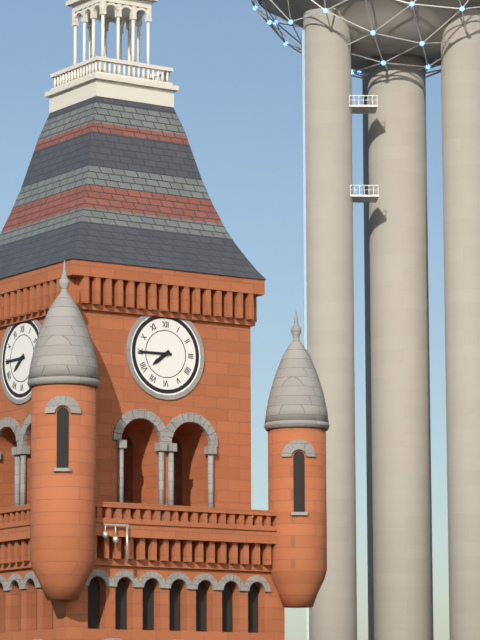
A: 7:45
